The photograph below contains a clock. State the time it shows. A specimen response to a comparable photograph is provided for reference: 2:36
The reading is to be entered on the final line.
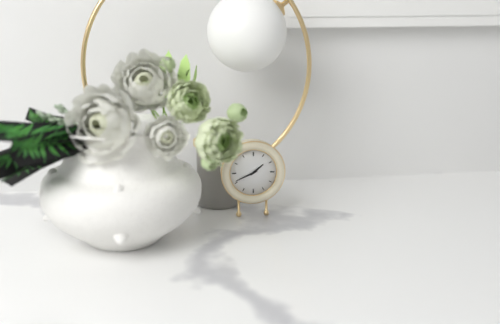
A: 1:41
